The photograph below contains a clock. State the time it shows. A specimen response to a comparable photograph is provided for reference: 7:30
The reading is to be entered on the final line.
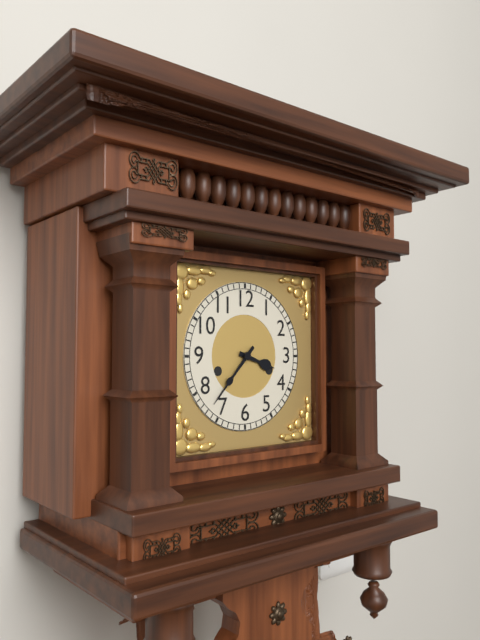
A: 3:37
